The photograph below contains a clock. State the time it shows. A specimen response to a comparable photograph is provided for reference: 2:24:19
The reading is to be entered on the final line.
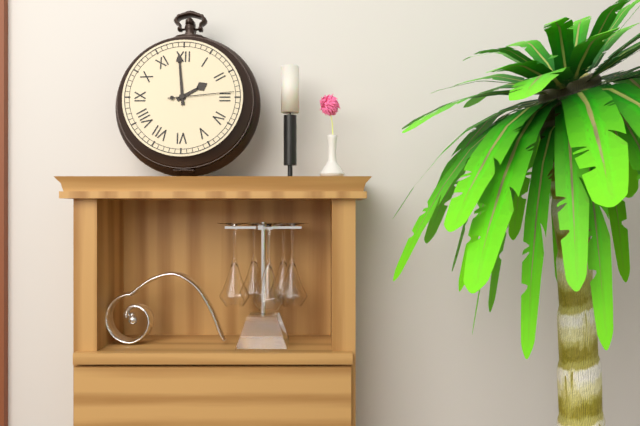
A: 1:59:14
